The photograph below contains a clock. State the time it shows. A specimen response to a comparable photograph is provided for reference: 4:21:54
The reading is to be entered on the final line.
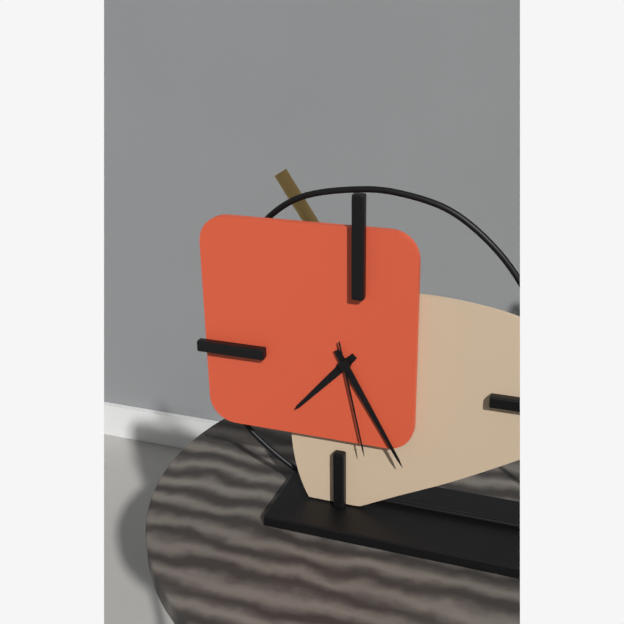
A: 7:25:28
